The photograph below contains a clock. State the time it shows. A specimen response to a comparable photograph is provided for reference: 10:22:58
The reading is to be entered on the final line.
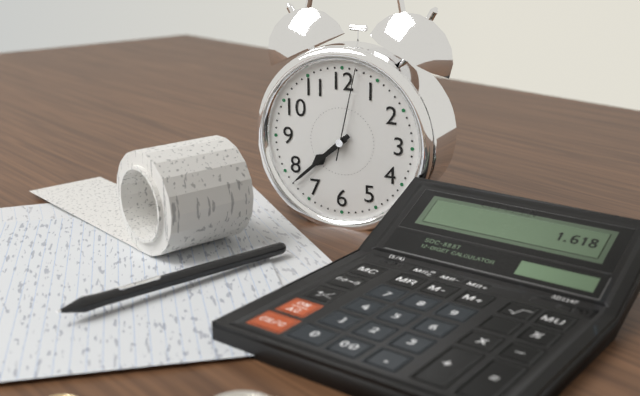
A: 7:38:02
